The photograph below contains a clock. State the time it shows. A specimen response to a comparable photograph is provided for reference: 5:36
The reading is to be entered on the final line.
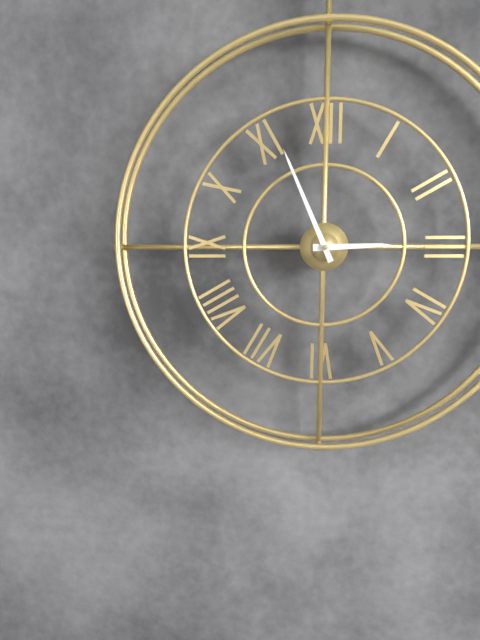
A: 2:56
